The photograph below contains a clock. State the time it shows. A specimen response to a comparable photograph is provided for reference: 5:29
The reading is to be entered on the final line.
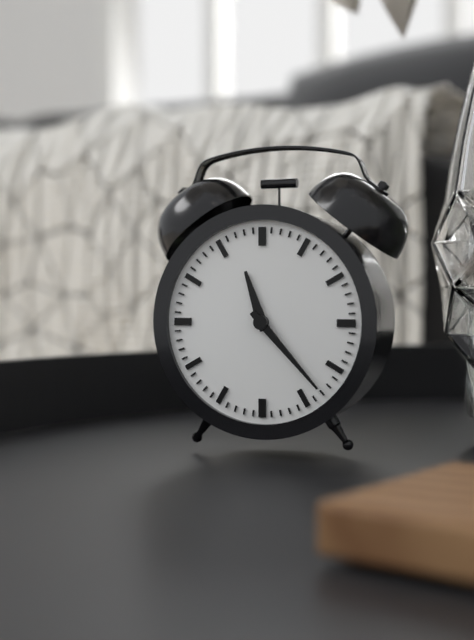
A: 11:23
